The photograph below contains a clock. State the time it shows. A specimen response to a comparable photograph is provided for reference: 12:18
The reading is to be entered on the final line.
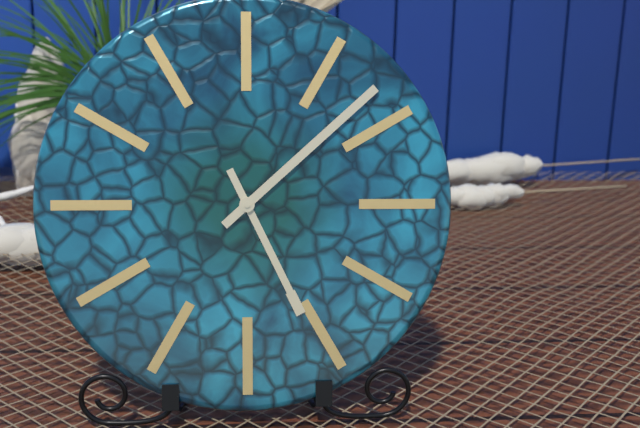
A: 5:08
